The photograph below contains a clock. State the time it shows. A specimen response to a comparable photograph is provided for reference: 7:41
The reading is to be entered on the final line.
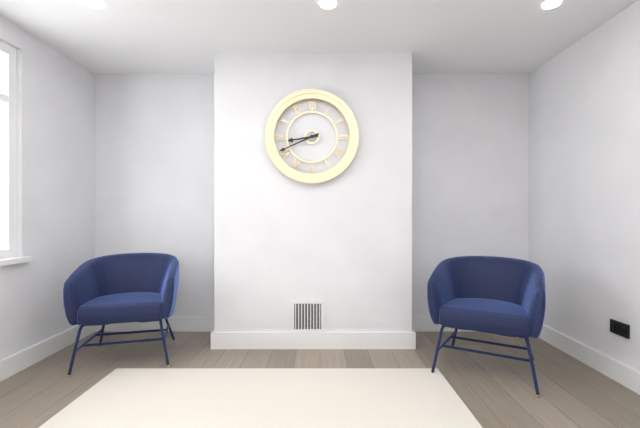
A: 8:41
